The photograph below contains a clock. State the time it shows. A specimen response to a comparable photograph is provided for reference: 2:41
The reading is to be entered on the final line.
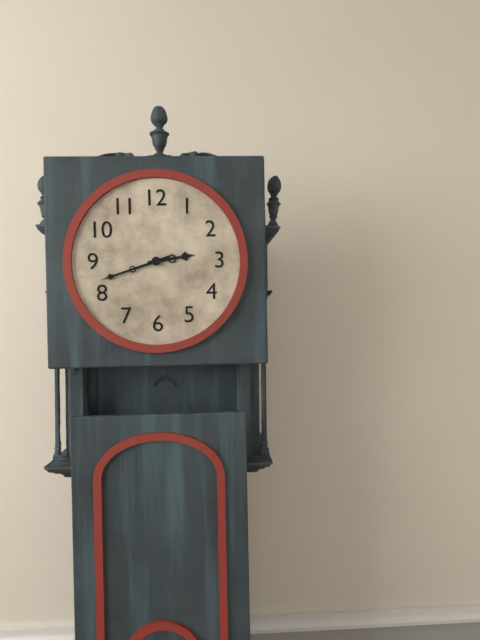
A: 2:42
